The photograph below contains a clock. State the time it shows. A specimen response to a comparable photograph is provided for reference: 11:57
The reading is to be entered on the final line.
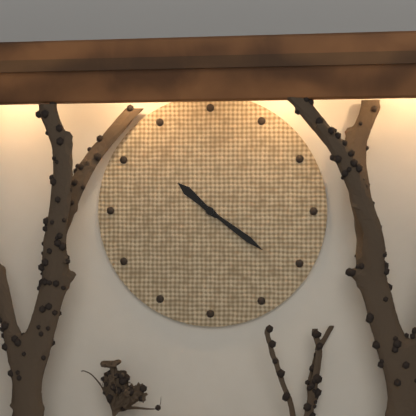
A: 10:21
